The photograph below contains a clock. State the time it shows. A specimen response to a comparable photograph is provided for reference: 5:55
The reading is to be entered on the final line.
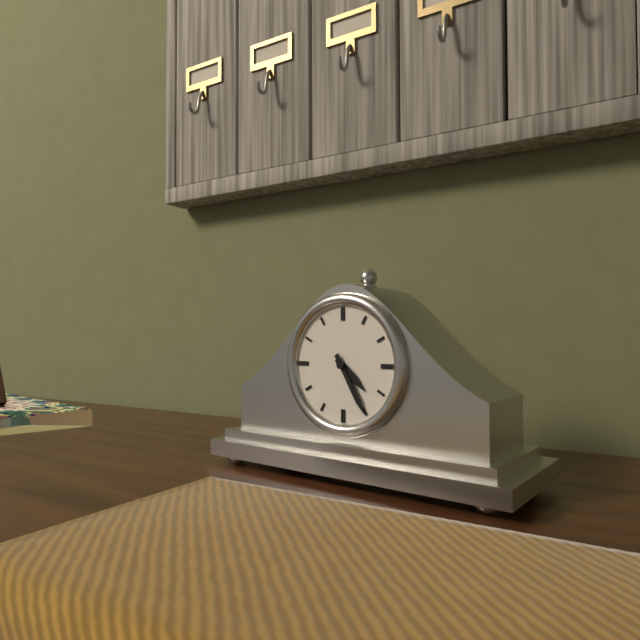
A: 4:25
